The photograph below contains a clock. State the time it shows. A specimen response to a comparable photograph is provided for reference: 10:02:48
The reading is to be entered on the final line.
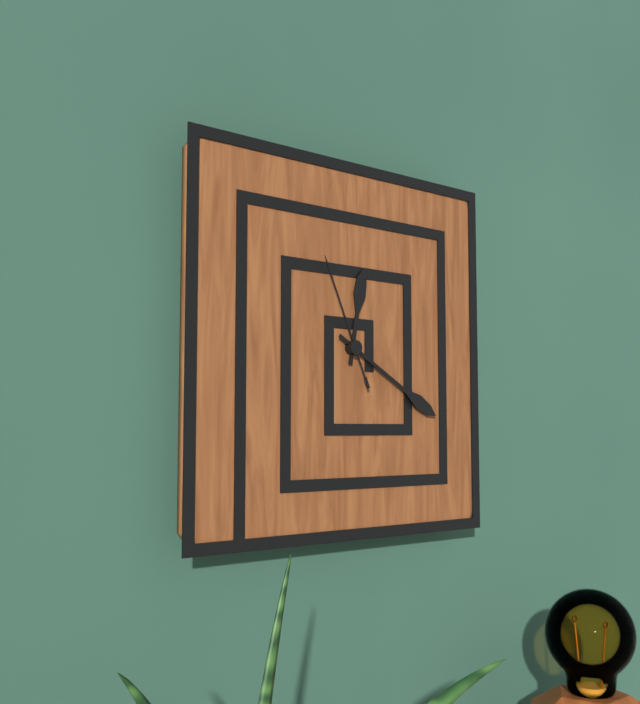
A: 12:20:56
